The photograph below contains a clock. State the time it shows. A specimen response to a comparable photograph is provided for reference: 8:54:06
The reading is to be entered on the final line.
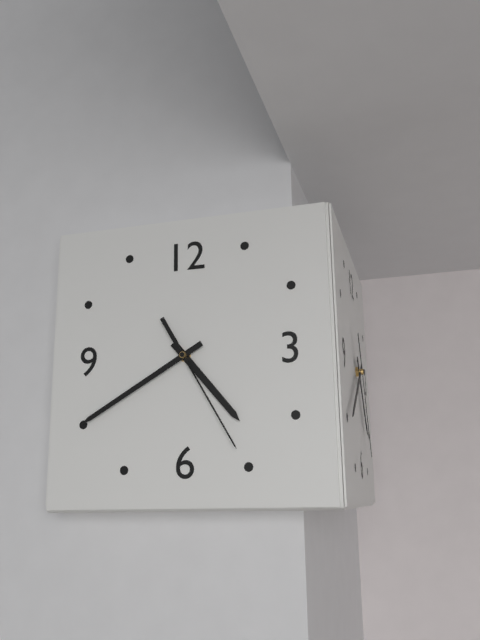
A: 4:40:25
